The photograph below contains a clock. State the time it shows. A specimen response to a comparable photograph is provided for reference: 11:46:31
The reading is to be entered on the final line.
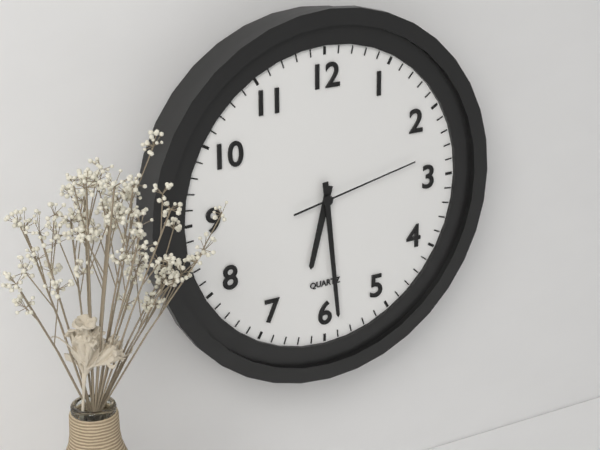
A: 6:29:13
